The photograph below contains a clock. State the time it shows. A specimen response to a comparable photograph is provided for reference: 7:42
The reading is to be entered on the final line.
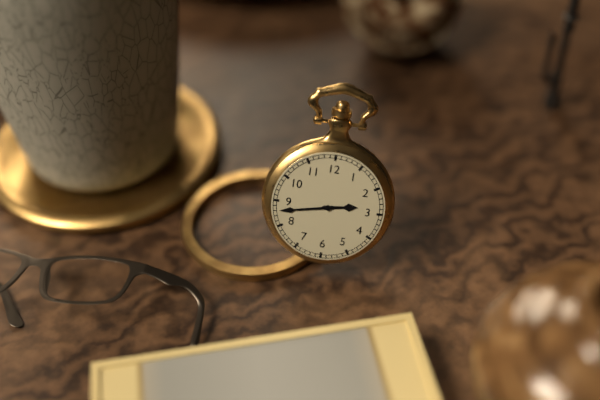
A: 2:43
